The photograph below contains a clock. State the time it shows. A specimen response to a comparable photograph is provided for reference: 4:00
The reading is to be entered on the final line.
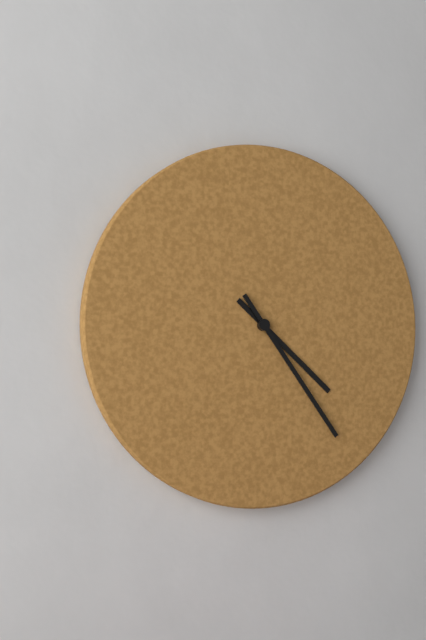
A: 4:24
